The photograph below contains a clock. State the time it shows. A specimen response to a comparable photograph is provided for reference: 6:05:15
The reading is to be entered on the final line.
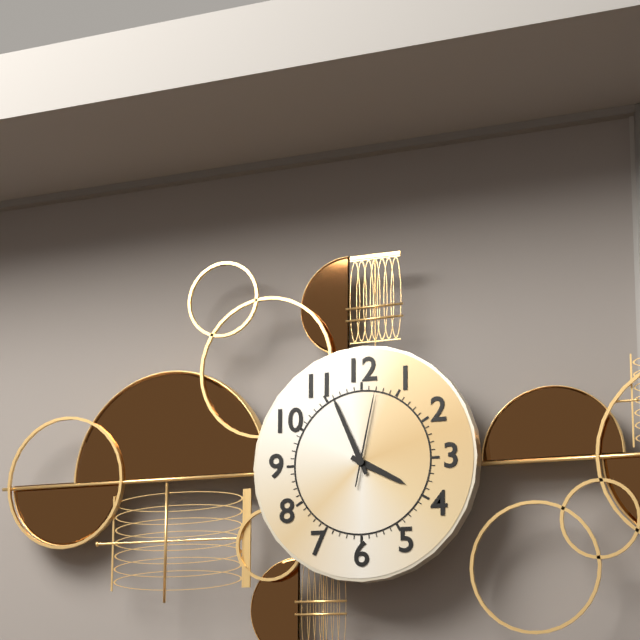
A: 3:56:02
